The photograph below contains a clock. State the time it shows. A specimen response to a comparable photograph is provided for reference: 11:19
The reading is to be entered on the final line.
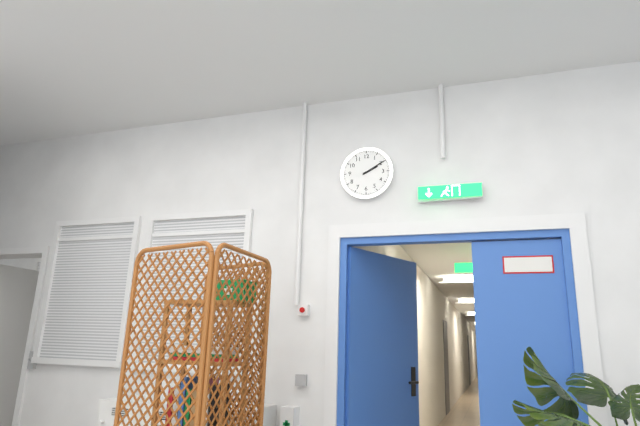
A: 2:10
